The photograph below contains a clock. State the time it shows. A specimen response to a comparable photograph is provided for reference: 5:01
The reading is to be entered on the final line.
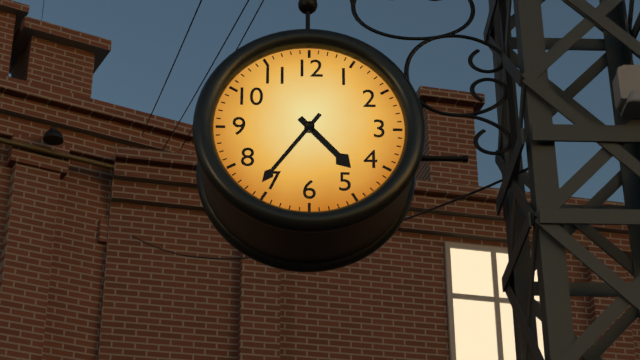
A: 4:36
